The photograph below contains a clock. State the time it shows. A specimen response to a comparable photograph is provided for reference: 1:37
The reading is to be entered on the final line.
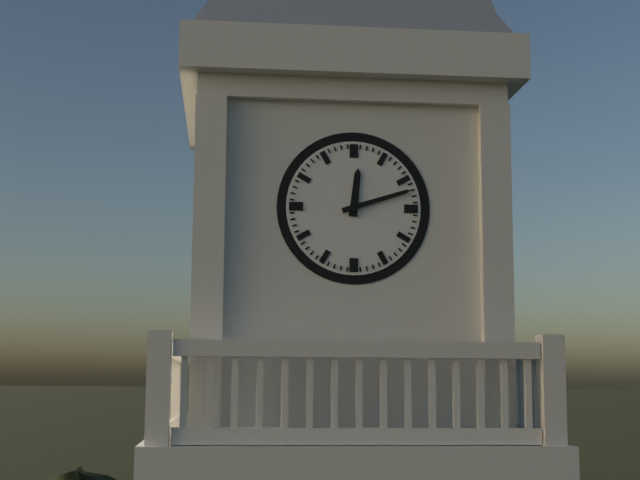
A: 12:12
